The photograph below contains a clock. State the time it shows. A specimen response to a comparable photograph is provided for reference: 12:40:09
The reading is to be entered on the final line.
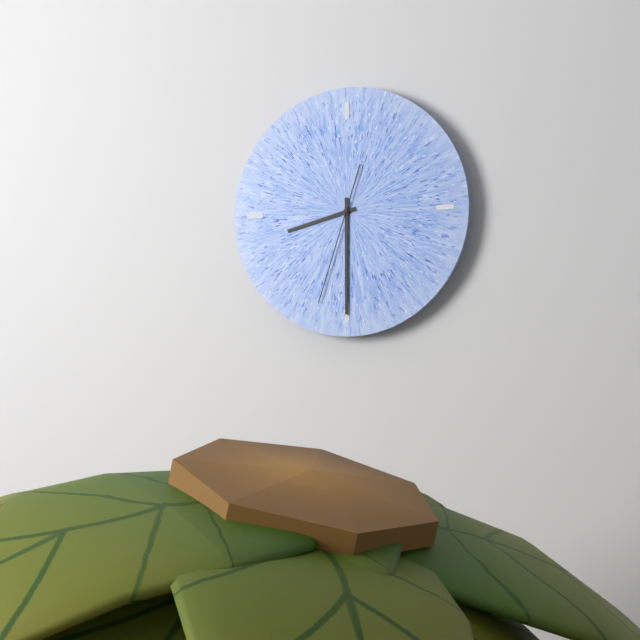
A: 8:30:33
